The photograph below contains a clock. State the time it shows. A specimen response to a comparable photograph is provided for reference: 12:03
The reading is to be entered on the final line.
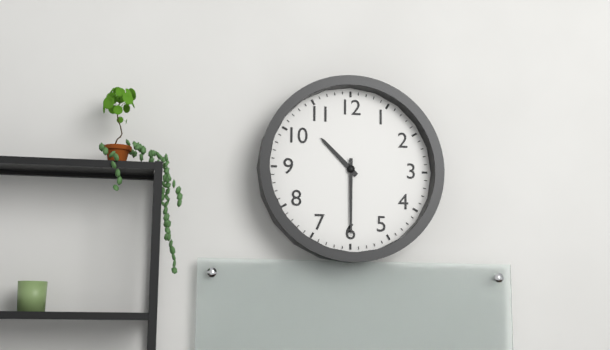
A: 10:30
